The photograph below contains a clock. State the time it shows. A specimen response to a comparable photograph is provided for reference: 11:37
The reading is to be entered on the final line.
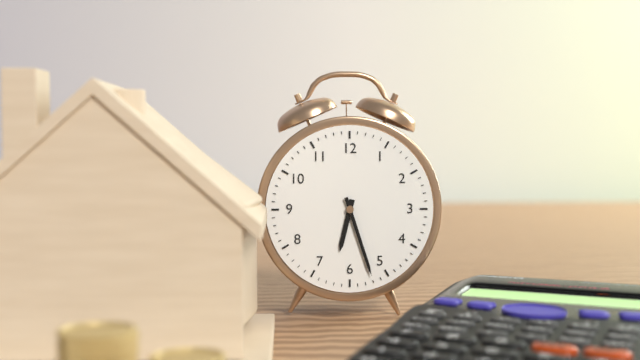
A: 6:27
